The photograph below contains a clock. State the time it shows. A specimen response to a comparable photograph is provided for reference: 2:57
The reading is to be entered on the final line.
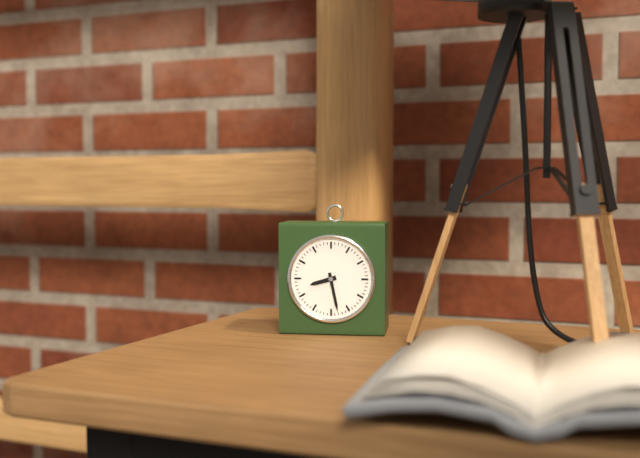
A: 8:28
